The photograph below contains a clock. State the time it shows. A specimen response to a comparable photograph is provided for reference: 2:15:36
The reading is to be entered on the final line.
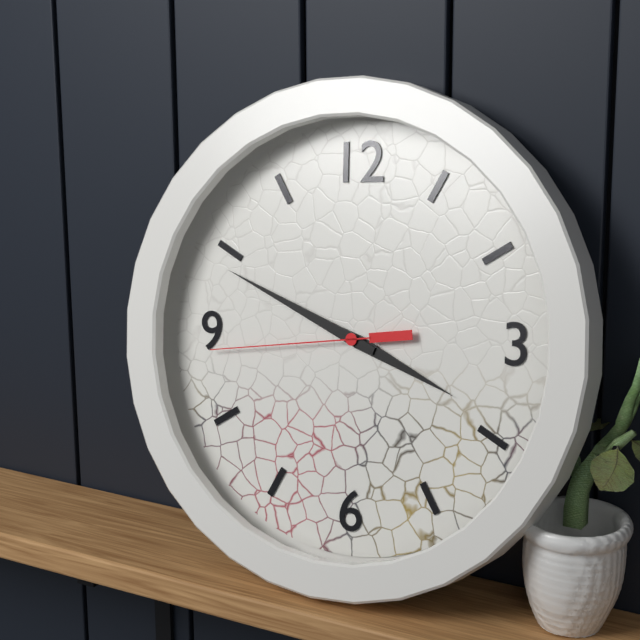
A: 3:49:44
